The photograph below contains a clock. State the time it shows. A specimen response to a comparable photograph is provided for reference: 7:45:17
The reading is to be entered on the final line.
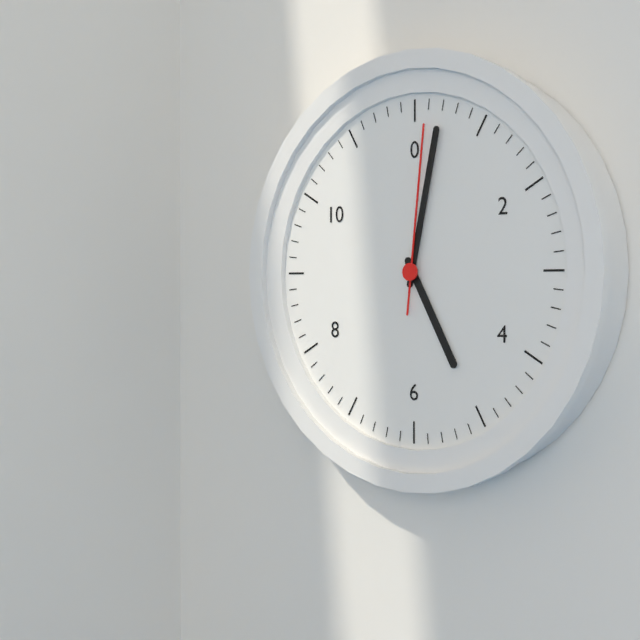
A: 5:02:01
